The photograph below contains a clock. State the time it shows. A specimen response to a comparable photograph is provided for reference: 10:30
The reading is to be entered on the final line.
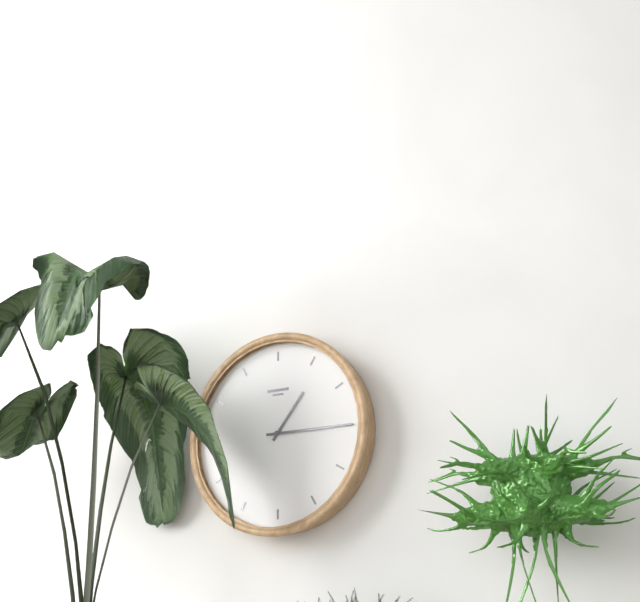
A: 1:15
